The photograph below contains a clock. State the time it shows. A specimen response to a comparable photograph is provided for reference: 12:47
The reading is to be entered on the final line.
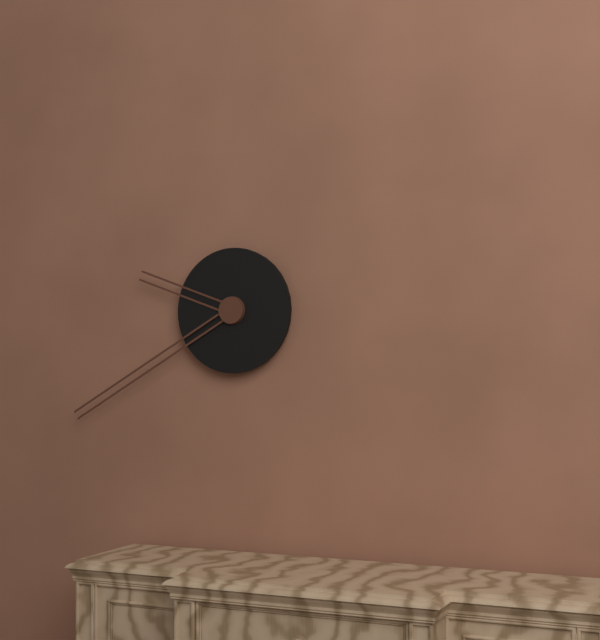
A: 9:40
